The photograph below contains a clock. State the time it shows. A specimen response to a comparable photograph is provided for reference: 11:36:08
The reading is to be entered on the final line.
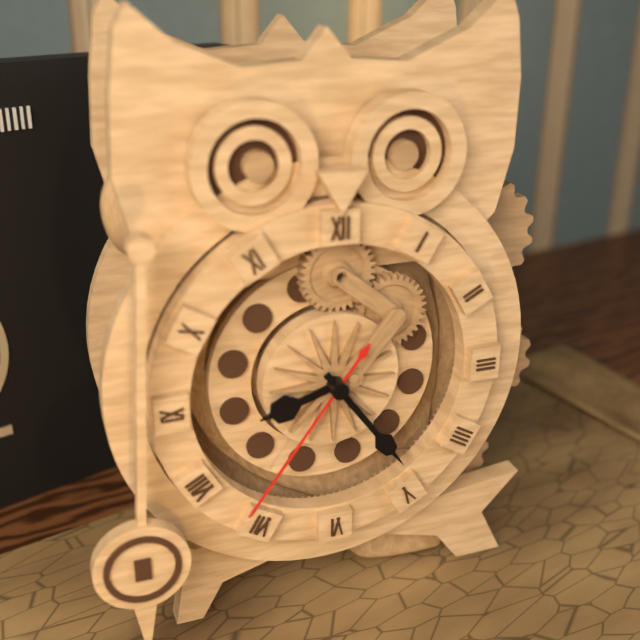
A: 8:24:36
